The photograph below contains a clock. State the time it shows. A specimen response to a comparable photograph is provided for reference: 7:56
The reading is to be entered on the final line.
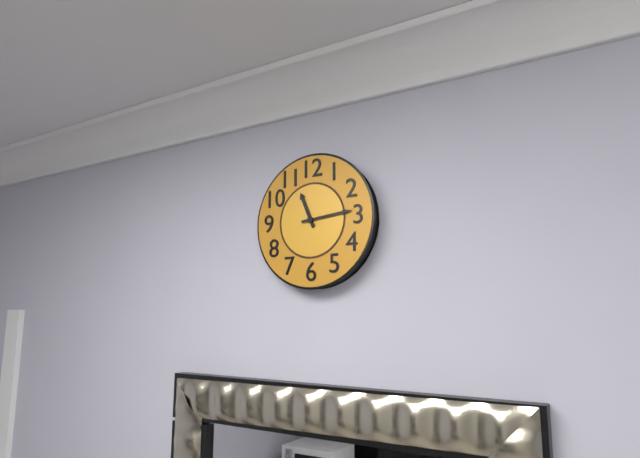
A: 11:14
